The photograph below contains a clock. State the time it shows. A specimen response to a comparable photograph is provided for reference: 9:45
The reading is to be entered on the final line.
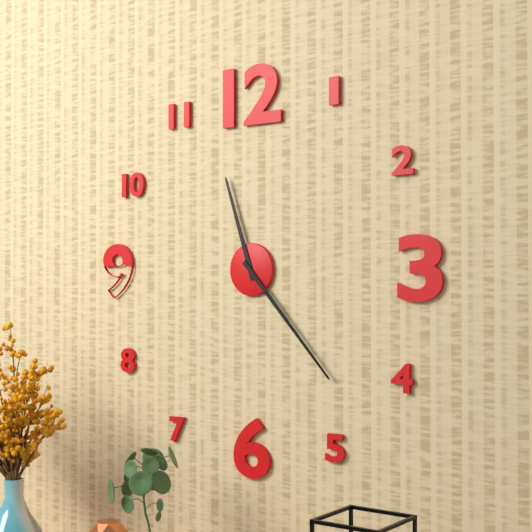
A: 11:23
